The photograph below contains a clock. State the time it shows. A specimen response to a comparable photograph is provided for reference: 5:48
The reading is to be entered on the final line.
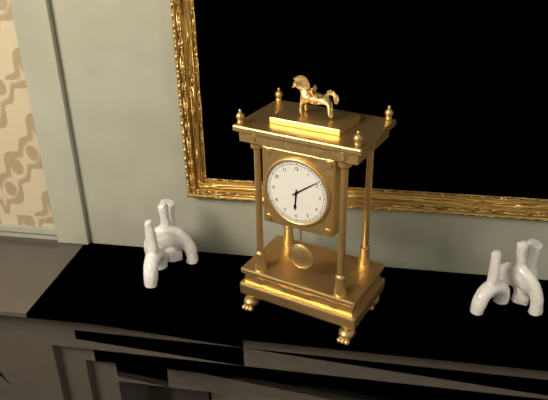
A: 6:09
